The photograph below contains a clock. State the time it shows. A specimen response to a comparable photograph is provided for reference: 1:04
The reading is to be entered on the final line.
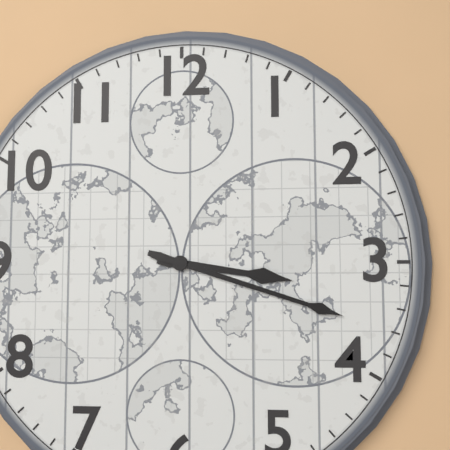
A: 3:18
